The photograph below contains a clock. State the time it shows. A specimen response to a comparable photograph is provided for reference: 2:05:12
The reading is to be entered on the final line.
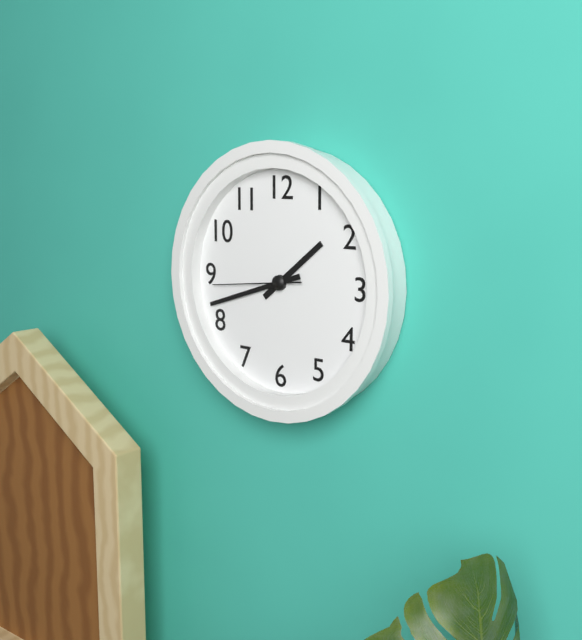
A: 1:42:44
